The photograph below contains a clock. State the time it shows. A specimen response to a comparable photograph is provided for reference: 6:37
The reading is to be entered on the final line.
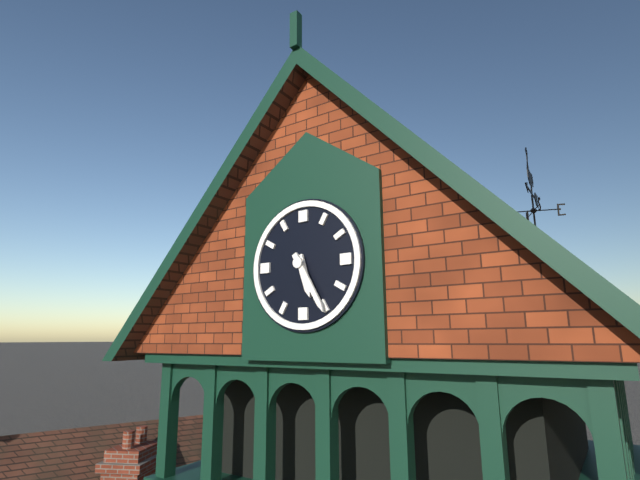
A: 5:25
